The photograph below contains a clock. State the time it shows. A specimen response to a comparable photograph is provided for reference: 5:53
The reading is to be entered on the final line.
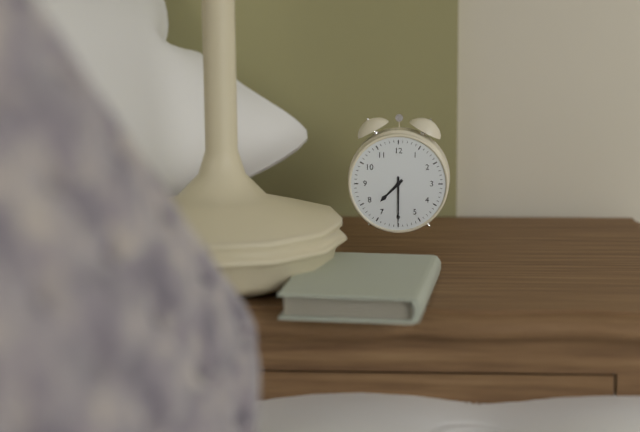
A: 7:30
